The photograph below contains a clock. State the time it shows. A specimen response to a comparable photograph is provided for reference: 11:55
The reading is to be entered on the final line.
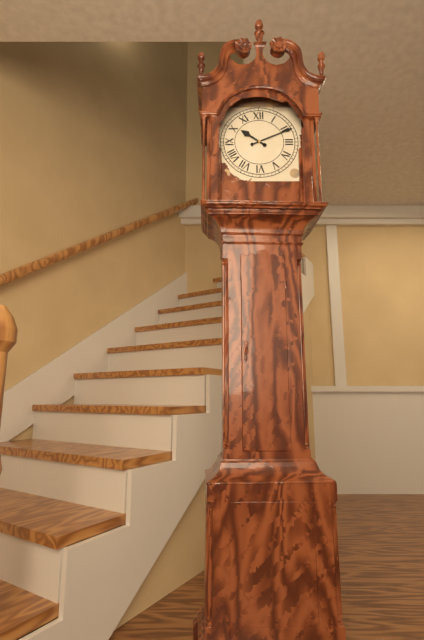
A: 10:11
